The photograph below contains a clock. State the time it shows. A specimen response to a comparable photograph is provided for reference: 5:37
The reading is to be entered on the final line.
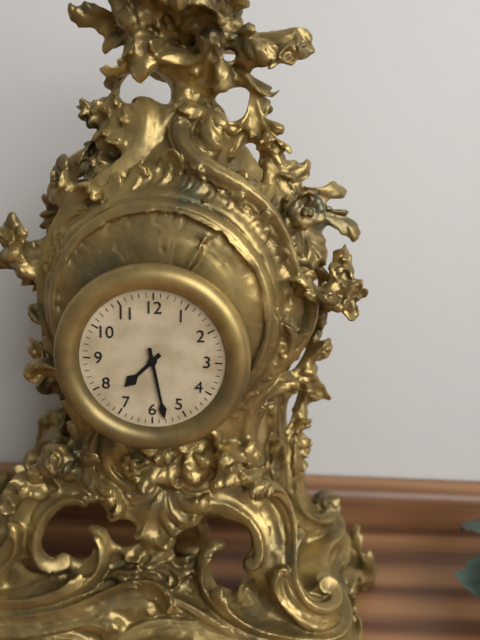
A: 7:28
